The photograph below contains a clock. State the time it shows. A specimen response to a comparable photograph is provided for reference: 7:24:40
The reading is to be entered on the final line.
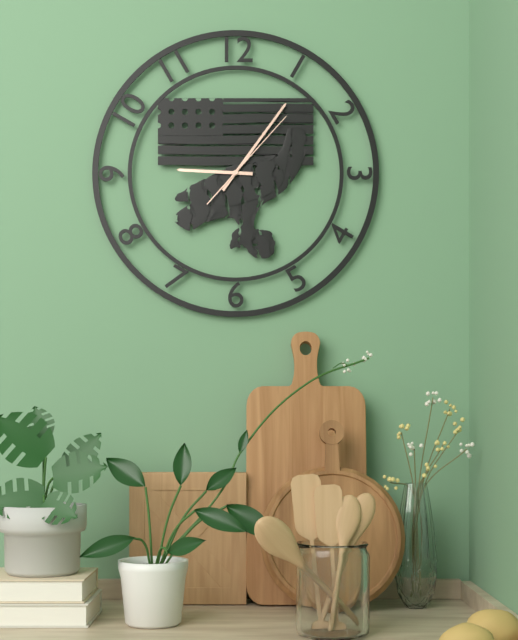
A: 9:06:07
